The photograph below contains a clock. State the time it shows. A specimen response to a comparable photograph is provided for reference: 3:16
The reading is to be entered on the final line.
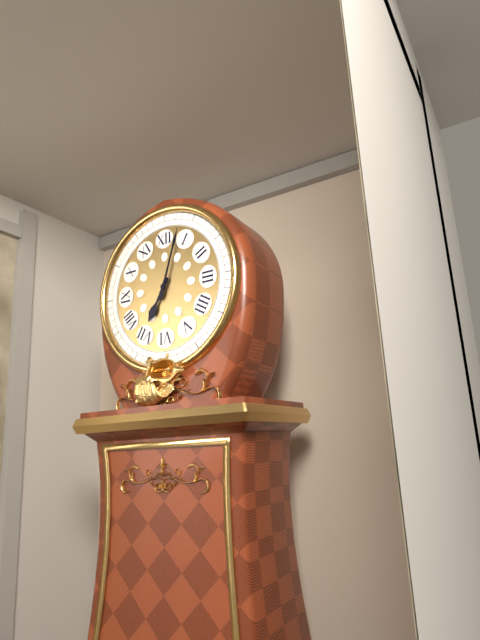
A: 7:03
